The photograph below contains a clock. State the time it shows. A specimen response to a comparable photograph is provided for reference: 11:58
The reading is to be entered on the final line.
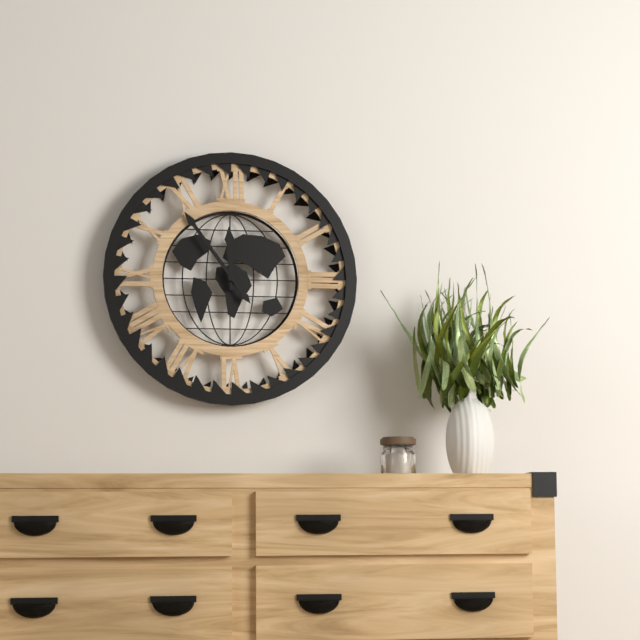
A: 11:54
